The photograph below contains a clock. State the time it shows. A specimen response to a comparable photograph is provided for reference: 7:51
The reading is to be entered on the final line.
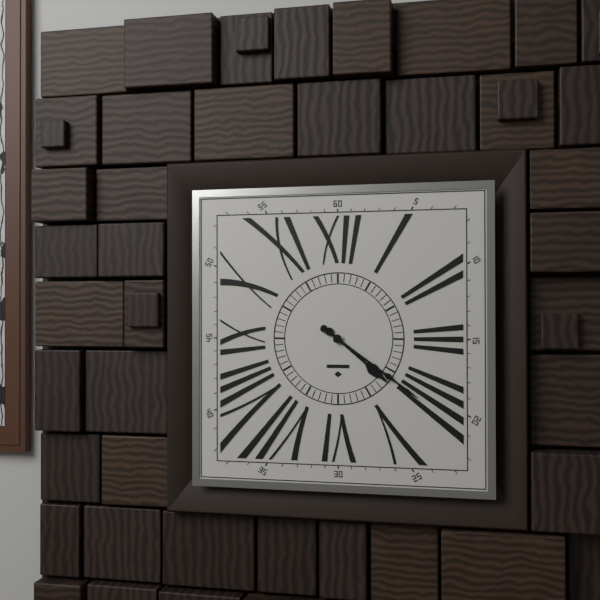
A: 4:21
